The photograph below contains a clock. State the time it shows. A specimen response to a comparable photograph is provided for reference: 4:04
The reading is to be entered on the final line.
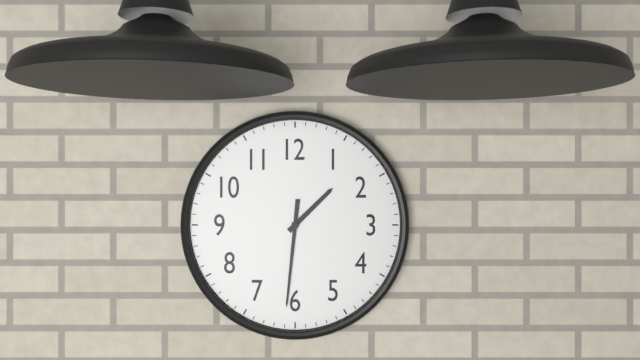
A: 1:31
